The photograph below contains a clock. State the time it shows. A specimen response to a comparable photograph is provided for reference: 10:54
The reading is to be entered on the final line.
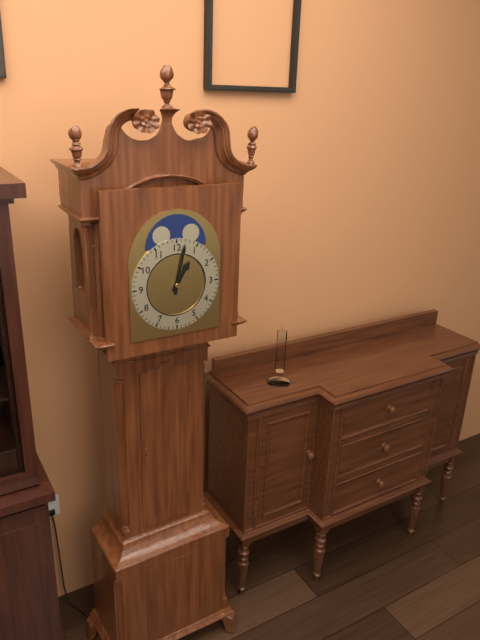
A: 1:02
